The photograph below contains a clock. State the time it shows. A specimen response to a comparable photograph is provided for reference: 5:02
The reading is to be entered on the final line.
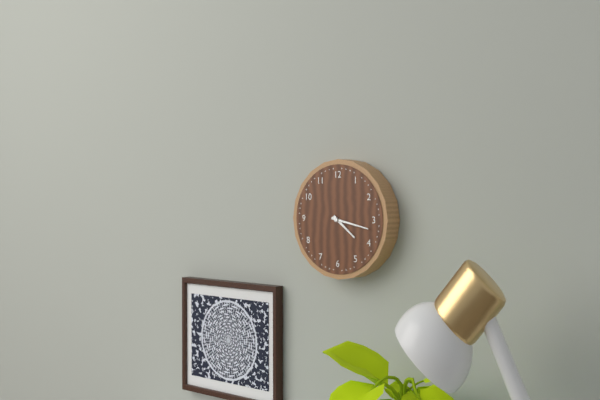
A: 4:17
